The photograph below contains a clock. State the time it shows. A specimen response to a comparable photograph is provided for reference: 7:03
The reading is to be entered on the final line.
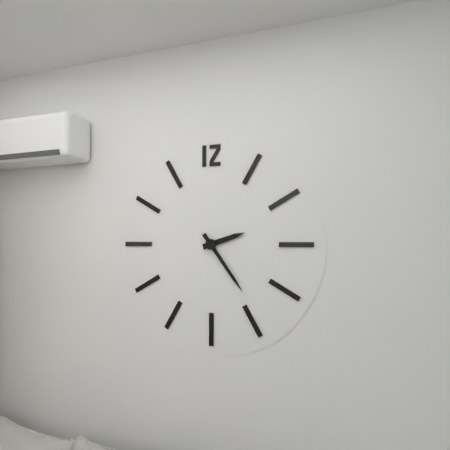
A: 2:24
